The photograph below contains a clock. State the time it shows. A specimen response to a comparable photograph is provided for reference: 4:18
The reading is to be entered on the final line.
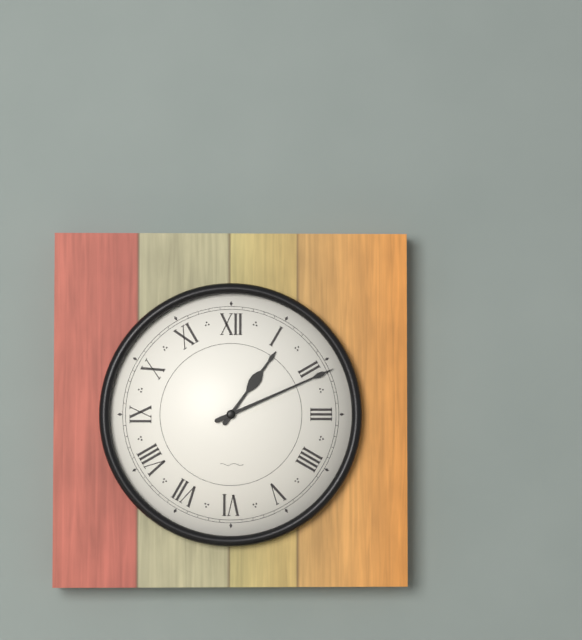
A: 1:11
